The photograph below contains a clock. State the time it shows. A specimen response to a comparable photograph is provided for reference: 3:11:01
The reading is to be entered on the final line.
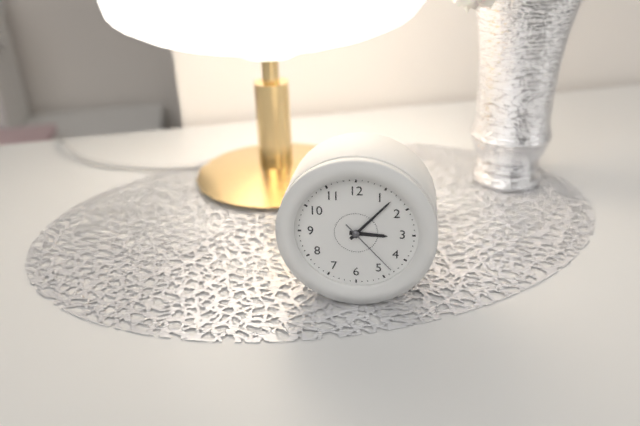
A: 3:07:23
